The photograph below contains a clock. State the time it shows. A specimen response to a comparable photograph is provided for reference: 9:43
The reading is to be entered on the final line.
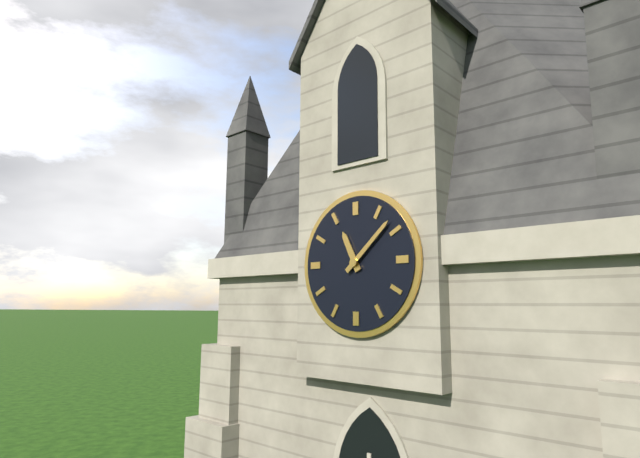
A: 11:08
